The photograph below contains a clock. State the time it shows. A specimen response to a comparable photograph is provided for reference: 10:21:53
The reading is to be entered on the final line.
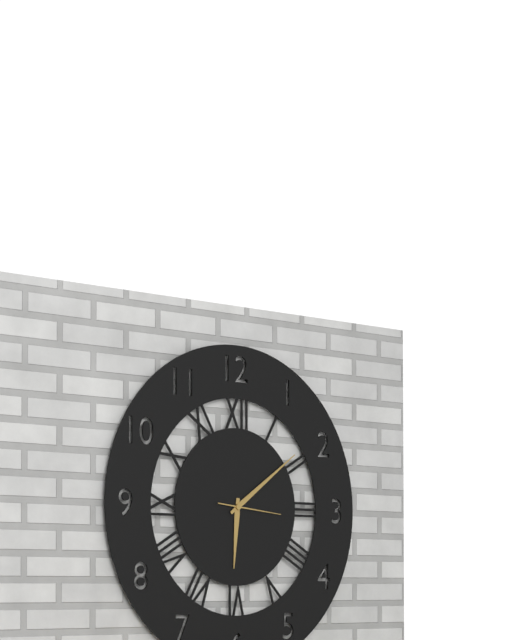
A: 6:09:16
